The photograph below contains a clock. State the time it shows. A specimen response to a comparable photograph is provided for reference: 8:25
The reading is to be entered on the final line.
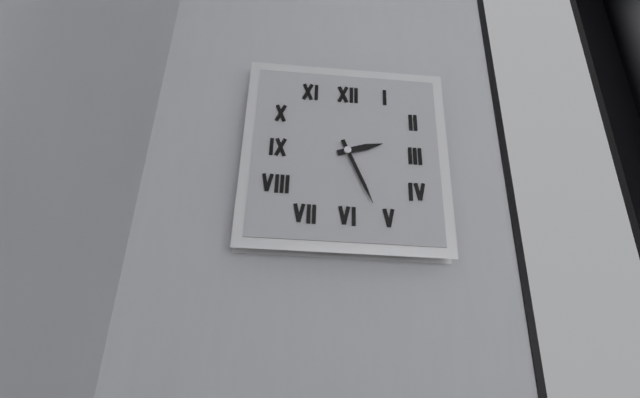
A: 2:26
